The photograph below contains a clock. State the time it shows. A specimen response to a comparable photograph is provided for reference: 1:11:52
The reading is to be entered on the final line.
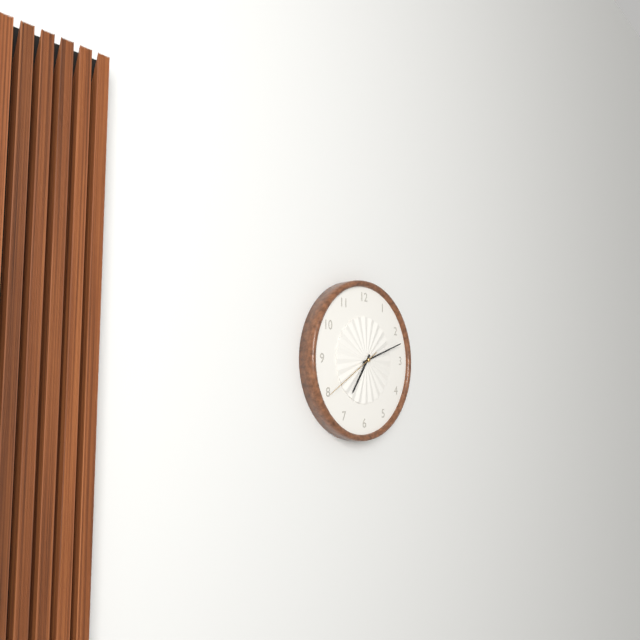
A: 7:12:40
